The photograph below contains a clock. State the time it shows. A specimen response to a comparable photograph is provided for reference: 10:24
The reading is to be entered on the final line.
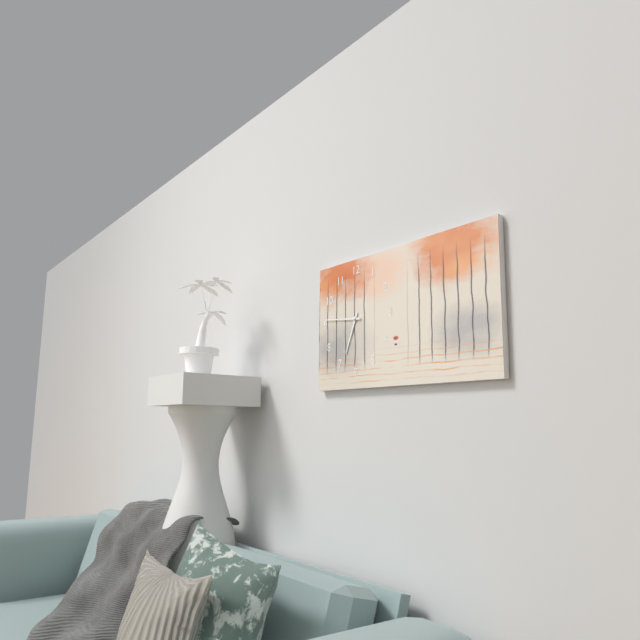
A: 6:46
